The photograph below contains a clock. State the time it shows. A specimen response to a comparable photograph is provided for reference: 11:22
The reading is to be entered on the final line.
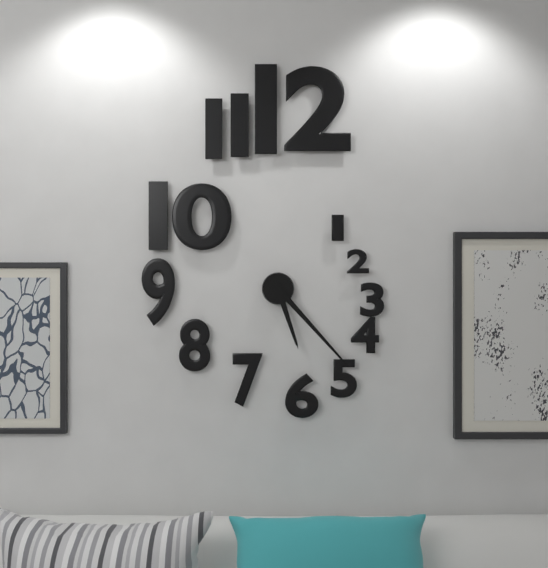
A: 5:23
